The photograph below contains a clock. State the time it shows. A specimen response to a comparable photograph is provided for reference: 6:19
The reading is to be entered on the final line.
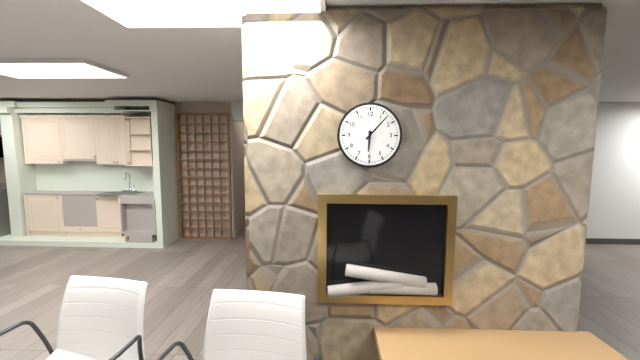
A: 6:07
